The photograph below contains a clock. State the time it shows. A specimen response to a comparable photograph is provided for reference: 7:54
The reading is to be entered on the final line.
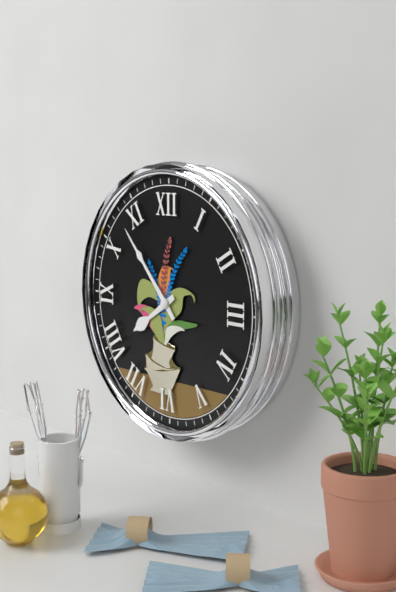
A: 7:53
